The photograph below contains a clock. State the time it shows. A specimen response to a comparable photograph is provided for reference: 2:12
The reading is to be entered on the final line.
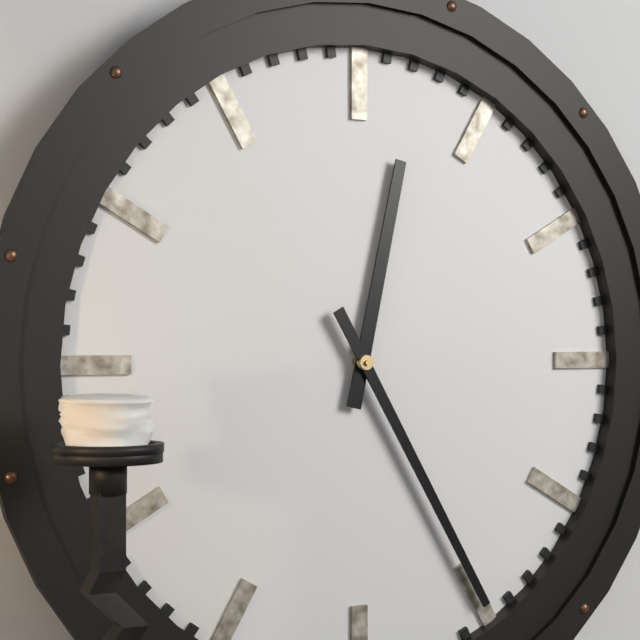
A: 12:25
